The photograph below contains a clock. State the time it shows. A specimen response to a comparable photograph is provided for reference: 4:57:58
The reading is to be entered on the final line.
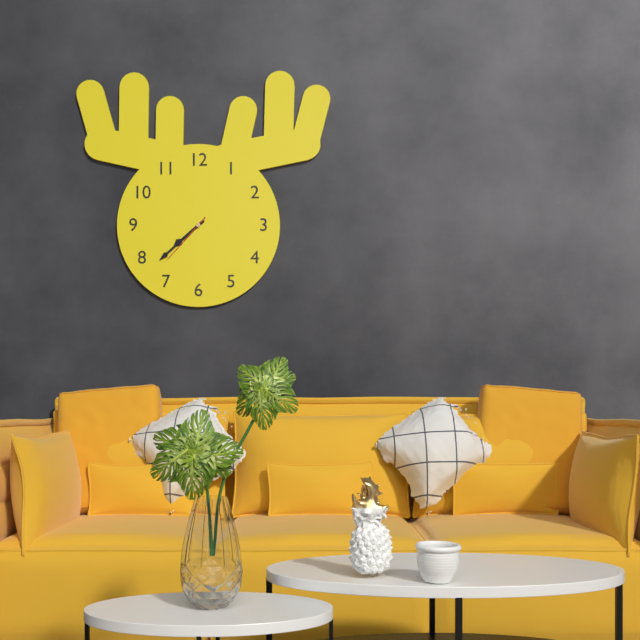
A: 7:38:37
